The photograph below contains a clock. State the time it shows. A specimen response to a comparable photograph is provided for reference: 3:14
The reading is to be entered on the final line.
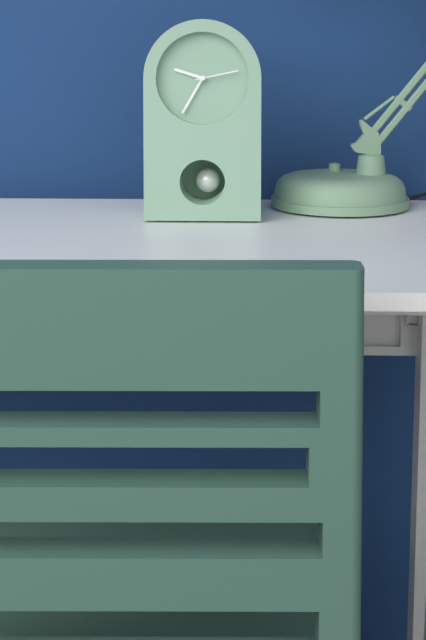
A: 9:35
